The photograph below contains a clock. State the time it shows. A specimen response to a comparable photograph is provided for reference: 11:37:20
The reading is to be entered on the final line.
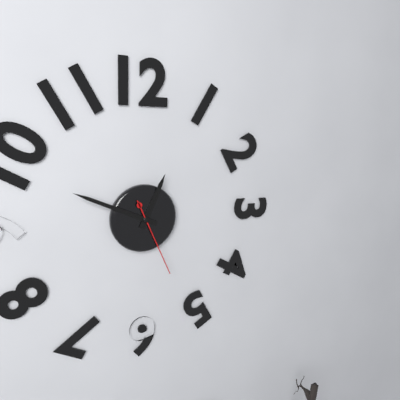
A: 12:49:26
